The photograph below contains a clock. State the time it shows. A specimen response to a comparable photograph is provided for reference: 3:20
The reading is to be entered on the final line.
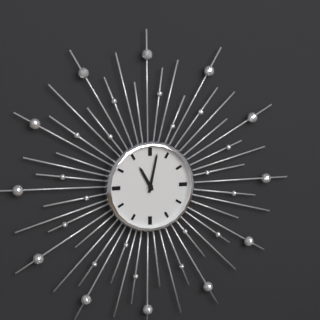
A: 11:02
